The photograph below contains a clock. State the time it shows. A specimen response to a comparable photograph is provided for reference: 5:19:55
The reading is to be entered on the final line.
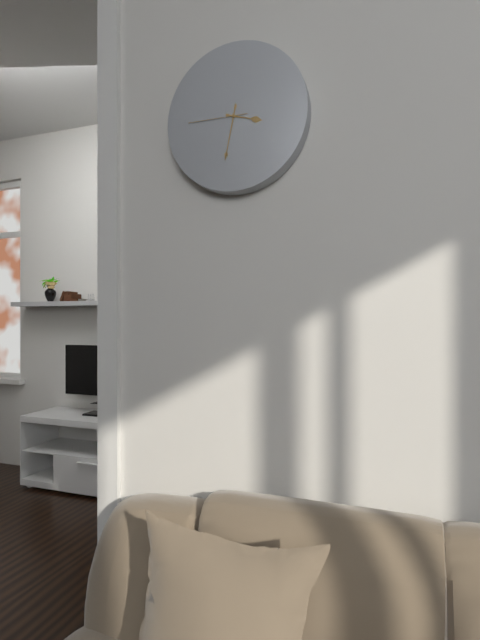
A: 3:32:45
